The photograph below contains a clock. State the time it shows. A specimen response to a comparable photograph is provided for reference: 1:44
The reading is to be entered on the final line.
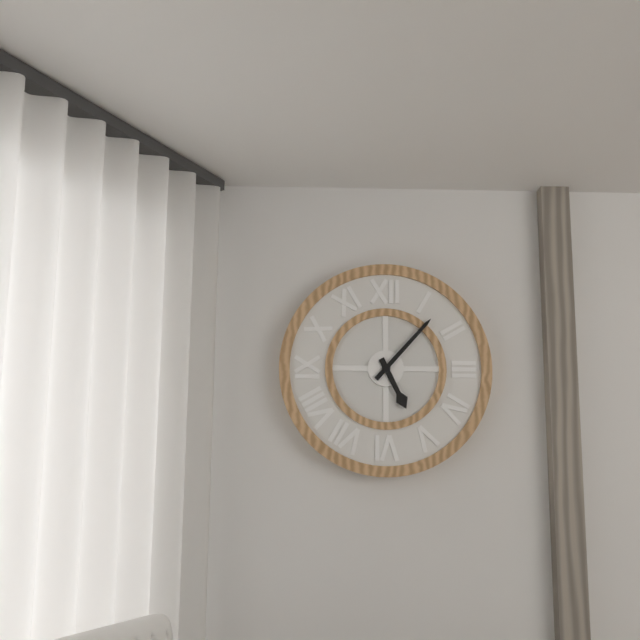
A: 5:07
